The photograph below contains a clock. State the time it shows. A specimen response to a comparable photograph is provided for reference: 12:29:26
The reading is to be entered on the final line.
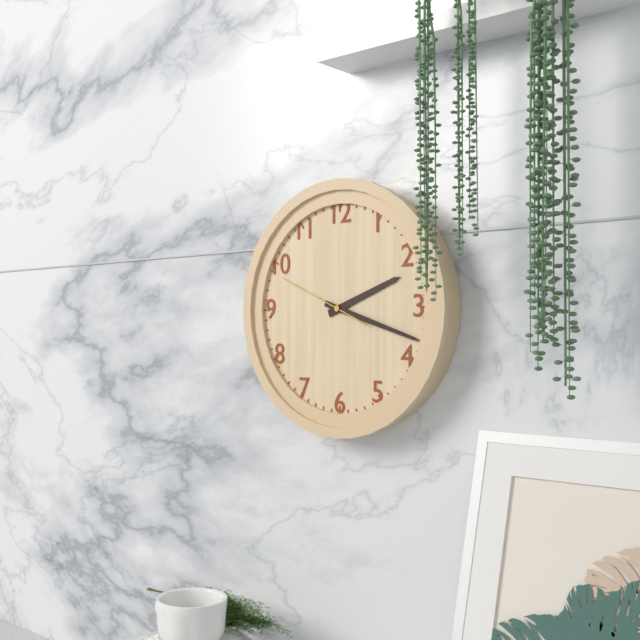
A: 2:18:49
